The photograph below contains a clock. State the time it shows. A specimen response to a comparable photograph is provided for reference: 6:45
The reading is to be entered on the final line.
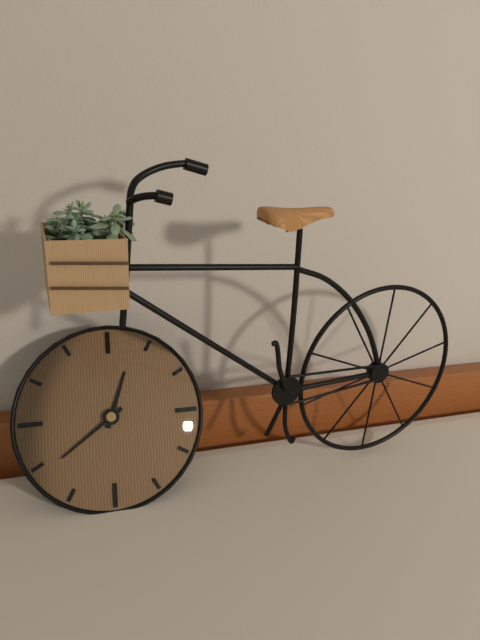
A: 12:39
